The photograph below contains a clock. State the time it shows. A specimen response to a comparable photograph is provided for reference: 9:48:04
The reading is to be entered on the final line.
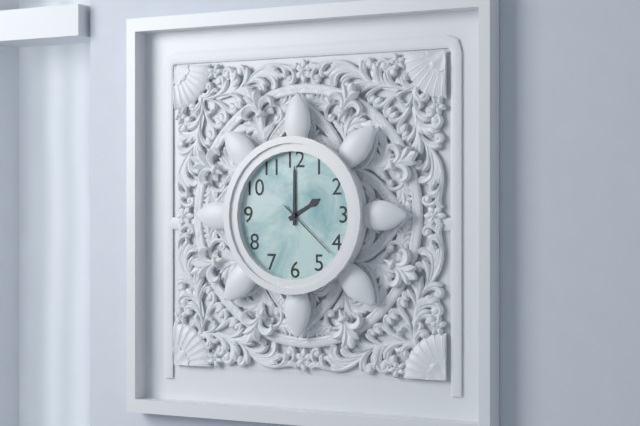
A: 2:00:22
